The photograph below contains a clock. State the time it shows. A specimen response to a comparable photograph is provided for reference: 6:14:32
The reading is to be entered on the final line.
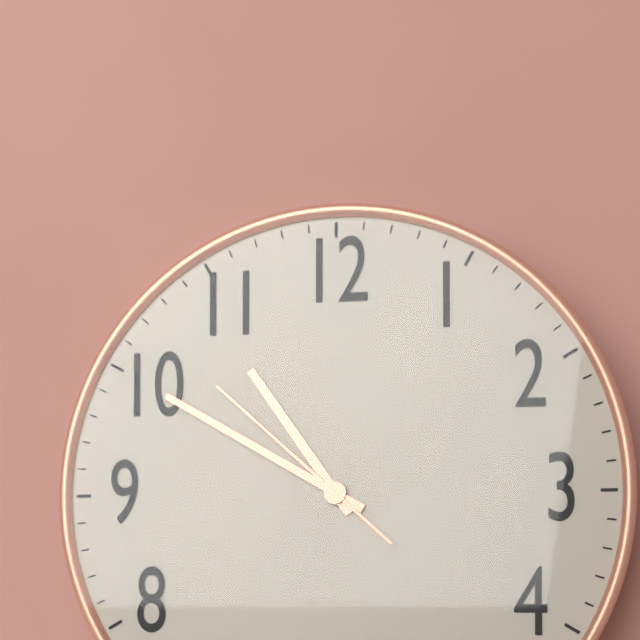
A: 10:50:52
